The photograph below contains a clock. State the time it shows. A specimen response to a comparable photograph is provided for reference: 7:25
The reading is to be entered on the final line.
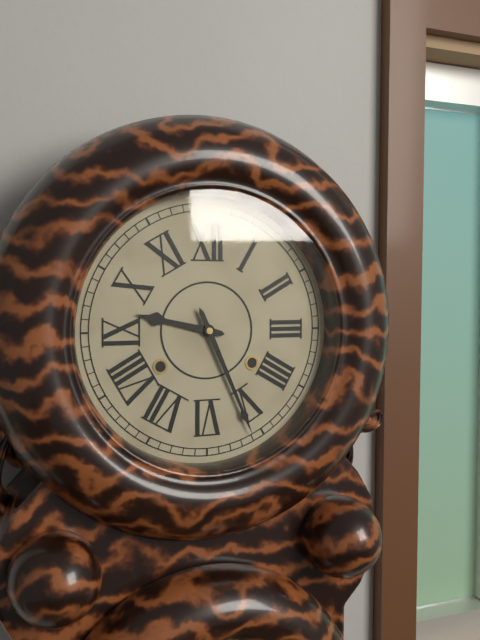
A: 9:26
